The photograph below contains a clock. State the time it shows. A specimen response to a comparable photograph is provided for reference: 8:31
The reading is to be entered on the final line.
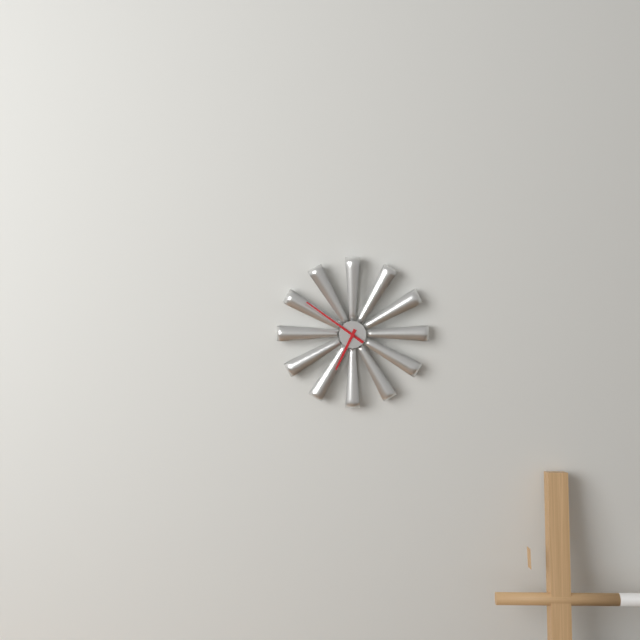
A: 6:51
